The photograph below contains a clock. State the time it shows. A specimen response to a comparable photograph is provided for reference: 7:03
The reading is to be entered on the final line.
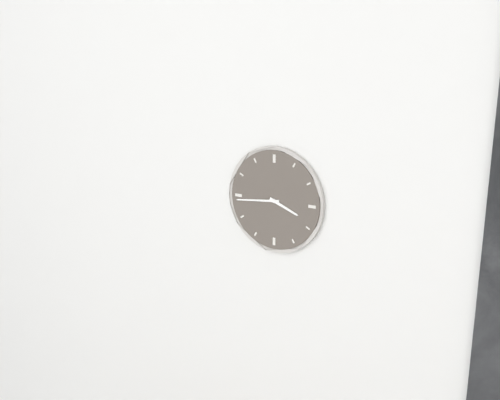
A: 3:44
